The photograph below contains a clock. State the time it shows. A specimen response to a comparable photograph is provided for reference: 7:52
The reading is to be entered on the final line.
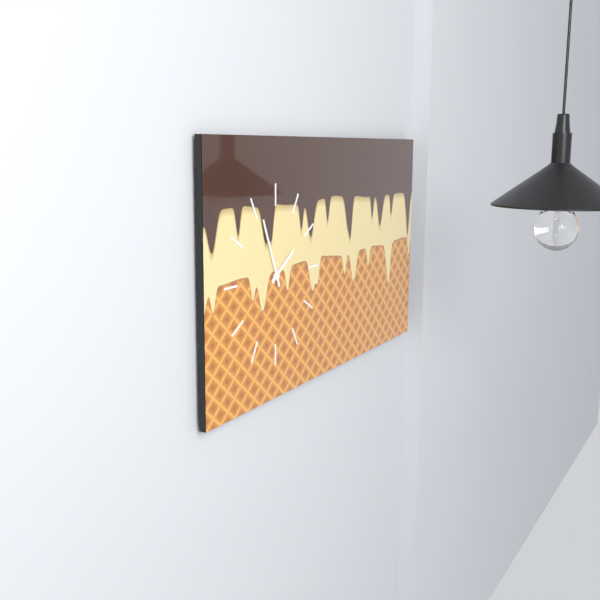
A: 1:56
